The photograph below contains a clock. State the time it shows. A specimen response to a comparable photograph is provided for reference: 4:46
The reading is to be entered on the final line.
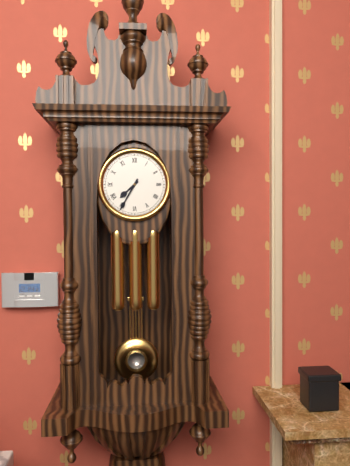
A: 7:35
